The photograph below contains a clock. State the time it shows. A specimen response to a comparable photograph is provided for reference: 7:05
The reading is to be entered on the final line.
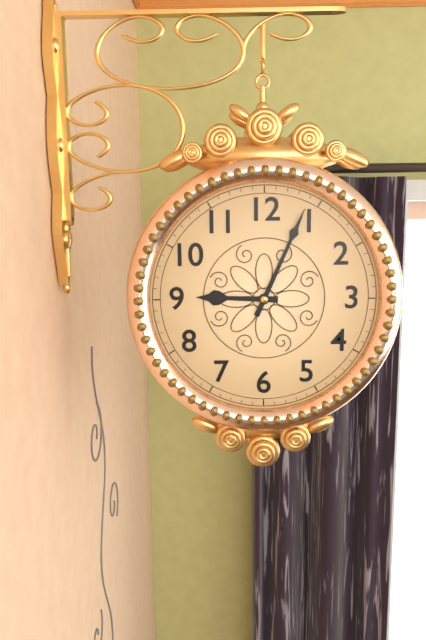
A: 9:04
